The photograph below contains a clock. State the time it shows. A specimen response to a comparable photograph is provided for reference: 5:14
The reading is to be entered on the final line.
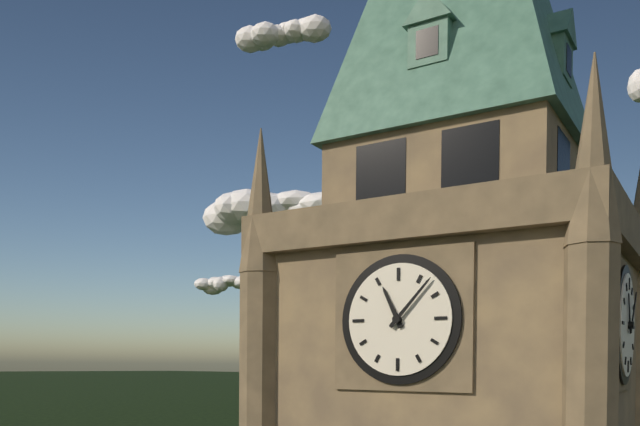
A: 11:07
